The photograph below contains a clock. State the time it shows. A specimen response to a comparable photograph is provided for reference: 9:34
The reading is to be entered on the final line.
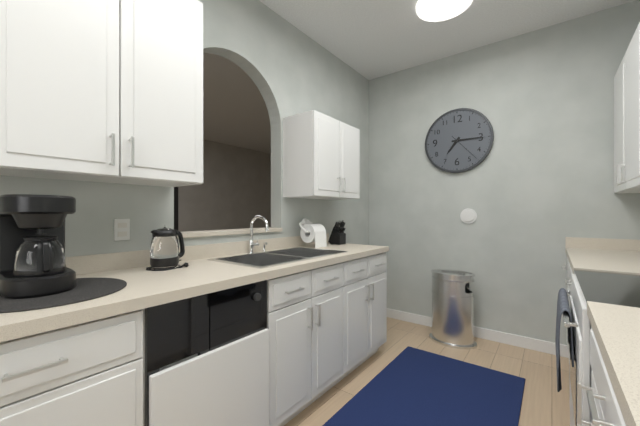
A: 7:15
